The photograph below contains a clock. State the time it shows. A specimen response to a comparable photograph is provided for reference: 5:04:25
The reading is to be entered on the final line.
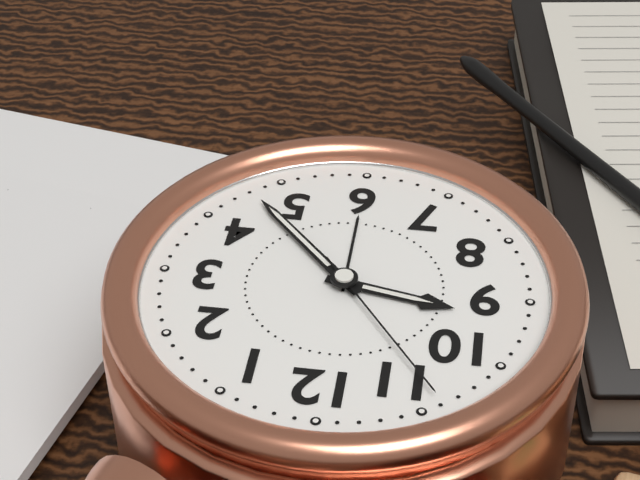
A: 9:23:54
